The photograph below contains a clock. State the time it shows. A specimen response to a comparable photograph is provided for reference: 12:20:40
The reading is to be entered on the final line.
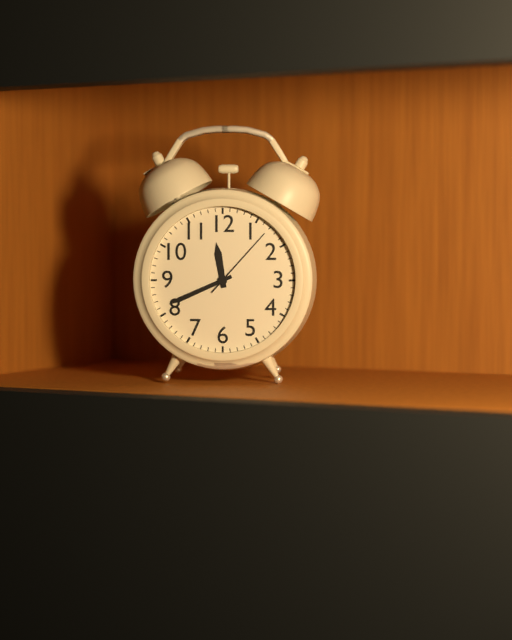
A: 11:41:07
